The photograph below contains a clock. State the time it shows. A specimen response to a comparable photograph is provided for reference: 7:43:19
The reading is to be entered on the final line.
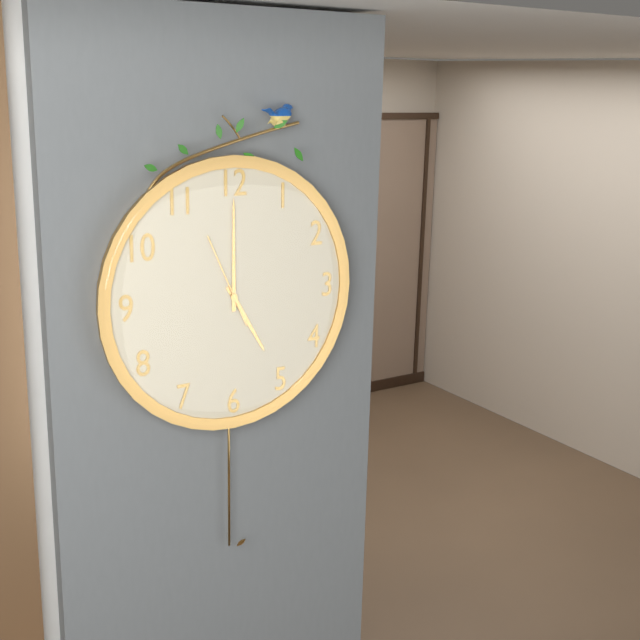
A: 5:00:56
